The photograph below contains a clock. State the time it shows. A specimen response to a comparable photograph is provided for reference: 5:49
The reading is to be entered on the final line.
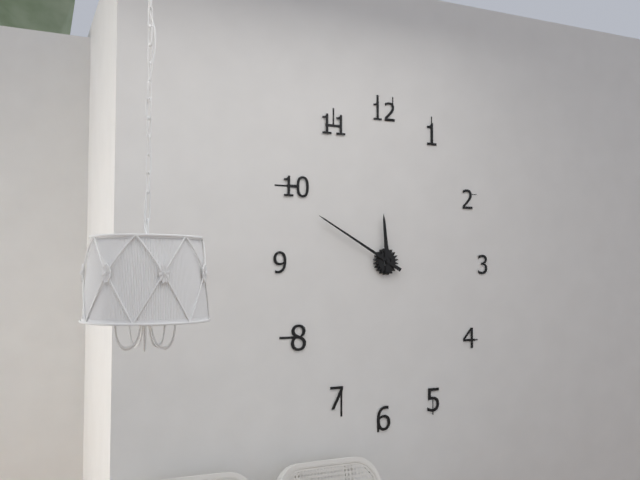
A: 11:50
